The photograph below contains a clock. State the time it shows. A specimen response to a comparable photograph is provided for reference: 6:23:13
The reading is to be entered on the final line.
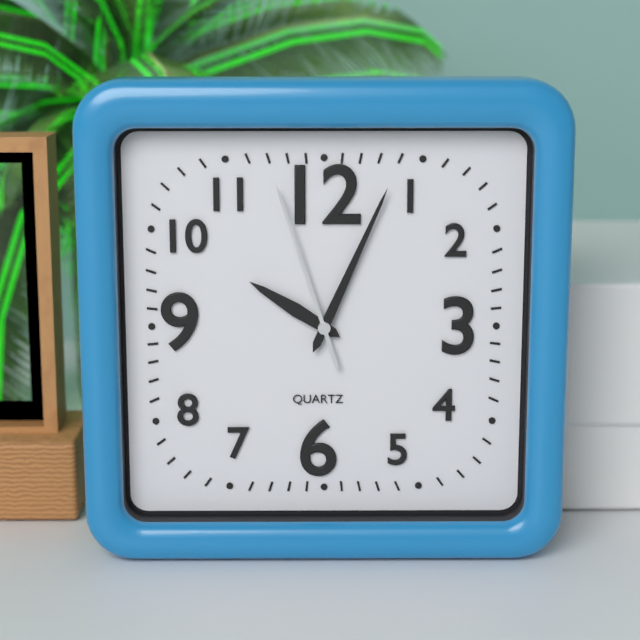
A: 10:04:57
